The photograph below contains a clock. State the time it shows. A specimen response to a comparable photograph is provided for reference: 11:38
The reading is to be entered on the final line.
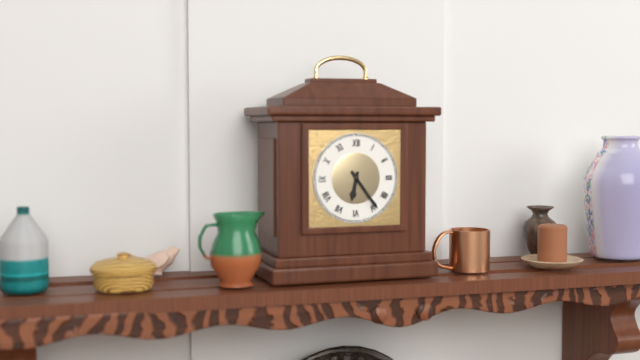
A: 6:24
